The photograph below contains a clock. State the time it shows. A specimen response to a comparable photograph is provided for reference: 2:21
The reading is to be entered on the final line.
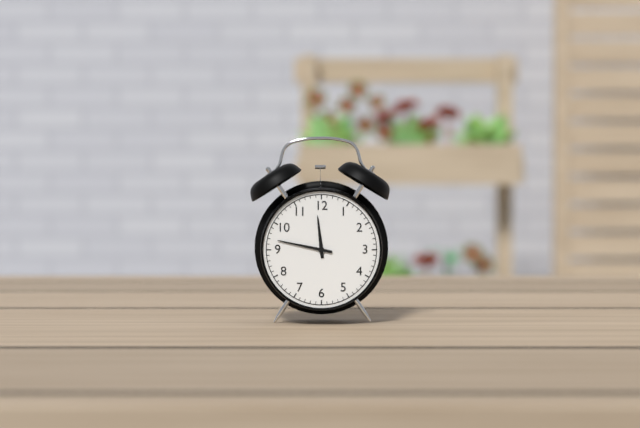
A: 11:47
